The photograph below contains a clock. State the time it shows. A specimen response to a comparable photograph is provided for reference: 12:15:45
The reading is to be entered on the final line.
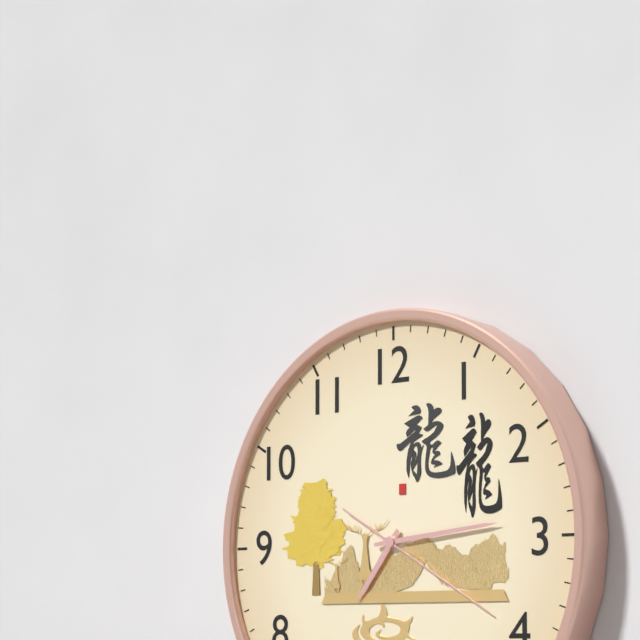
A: 7:14:20
